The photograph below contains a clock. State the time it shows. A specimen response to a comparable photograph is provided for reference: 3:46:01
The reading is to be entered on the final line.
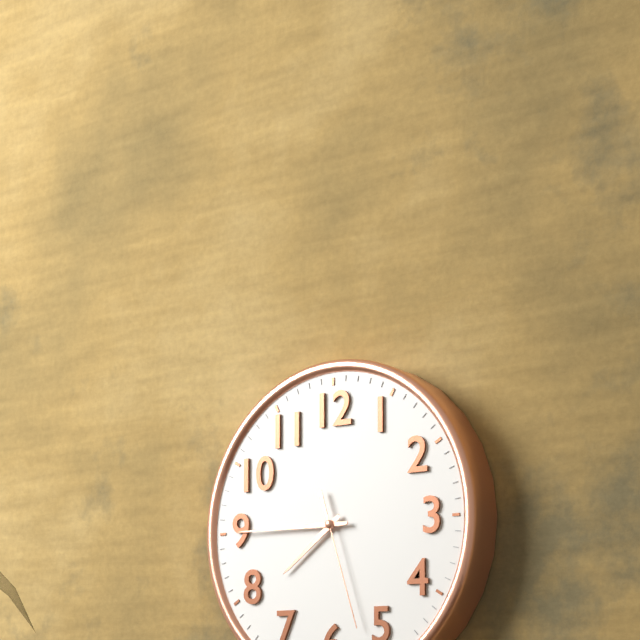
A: 7:45:27
